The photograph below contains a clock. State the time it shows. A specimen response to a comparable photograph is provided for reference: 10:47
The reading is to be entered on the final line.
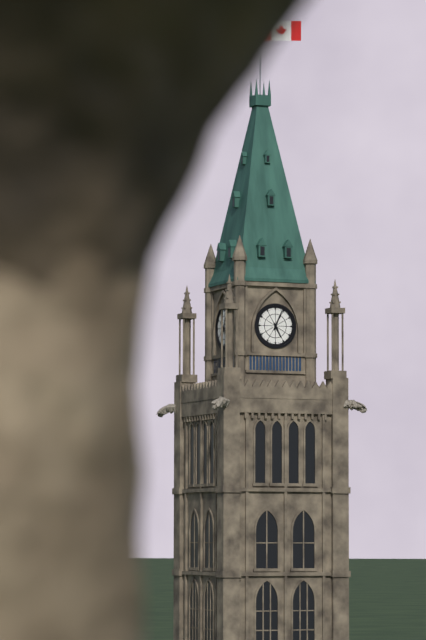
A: 5:04
